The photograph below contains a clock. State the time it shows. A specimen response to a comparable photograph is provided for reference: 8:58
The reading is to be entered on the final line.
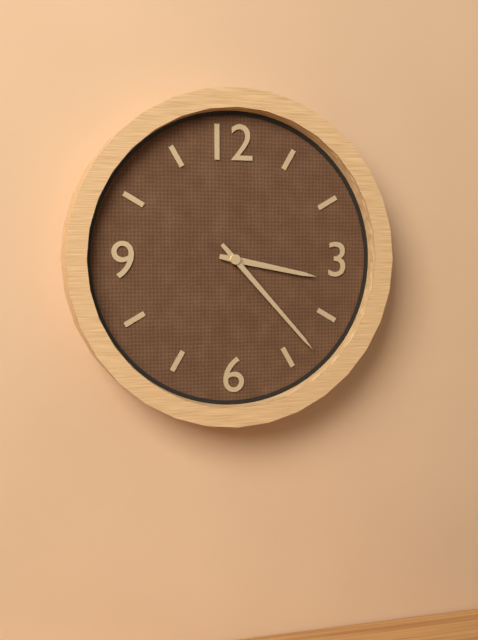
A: 3:23
